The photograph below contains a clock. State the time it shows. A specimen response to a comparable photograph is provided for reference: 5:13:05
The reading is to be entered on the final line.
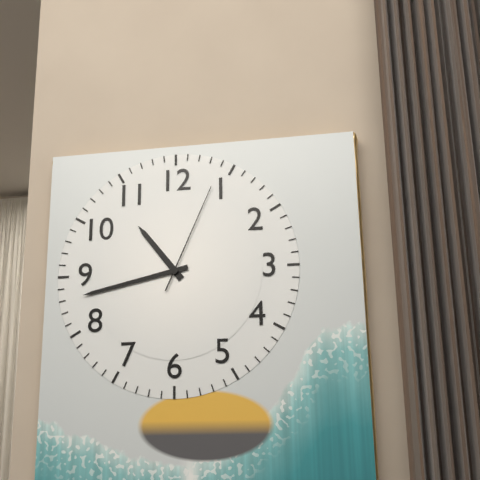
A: 10:43:04
